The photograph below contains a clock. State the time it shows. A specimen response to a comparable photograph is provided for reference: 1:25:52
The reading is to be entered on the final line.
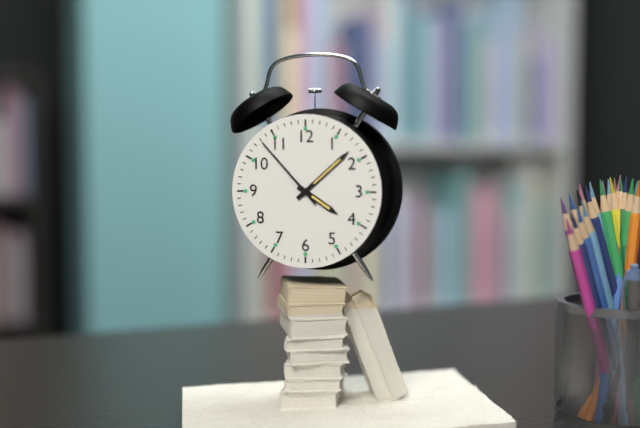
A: 4:08:53
